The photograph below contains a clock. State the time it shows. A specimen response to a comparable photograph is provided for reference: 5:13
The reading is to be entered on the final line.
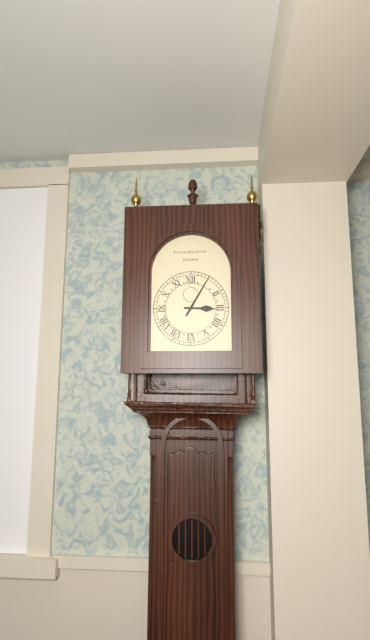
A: 3:05
